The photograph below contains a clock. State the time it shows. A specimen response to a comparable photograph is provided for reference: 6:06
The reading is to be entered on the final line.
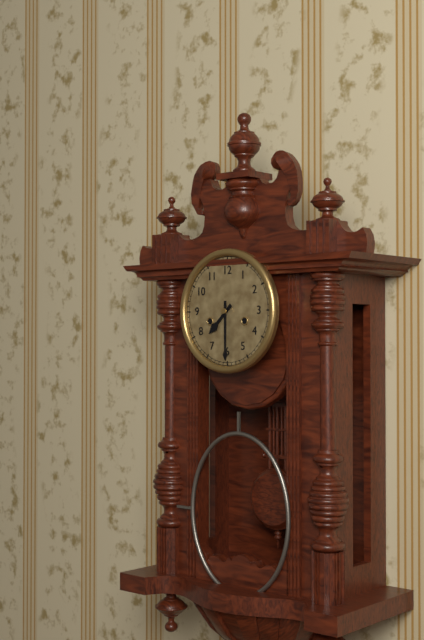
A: 7:30
